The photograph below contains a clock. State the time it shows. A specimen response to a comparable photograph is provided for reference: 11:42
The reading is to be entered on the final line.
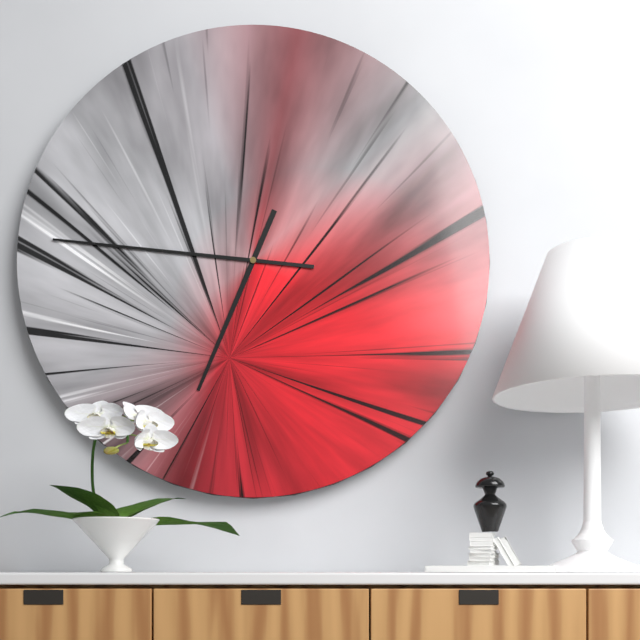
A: 6:46
